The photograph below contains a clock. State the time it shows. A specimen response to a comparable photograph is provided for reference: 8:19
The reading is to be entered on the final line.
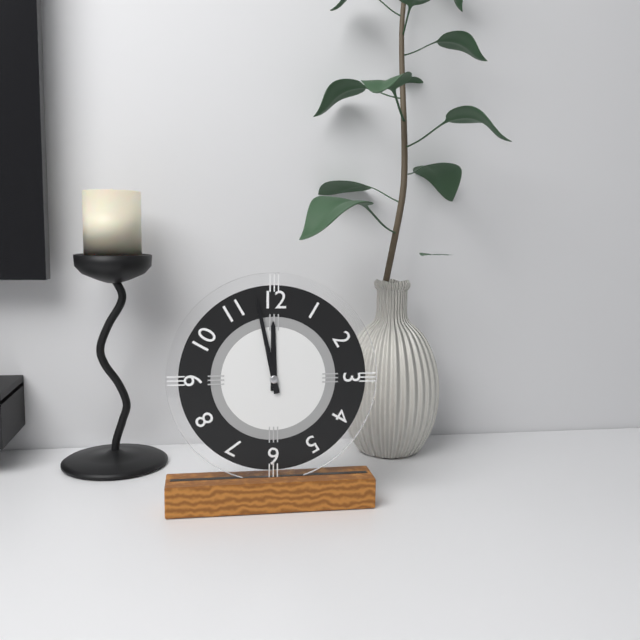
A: 11:58
